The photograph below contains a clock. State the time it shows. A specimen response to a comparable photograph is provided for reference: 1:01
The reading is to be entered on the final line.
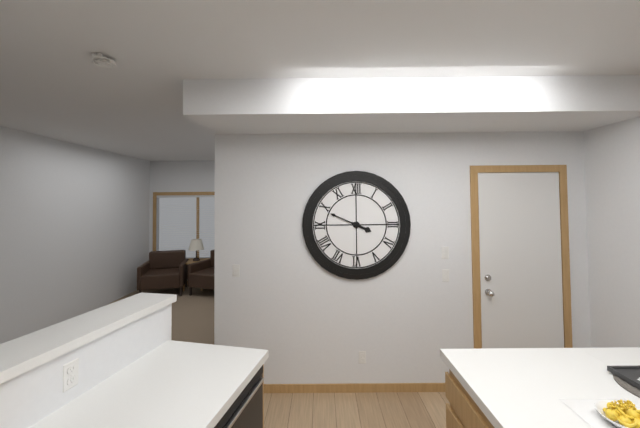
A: 3:49
